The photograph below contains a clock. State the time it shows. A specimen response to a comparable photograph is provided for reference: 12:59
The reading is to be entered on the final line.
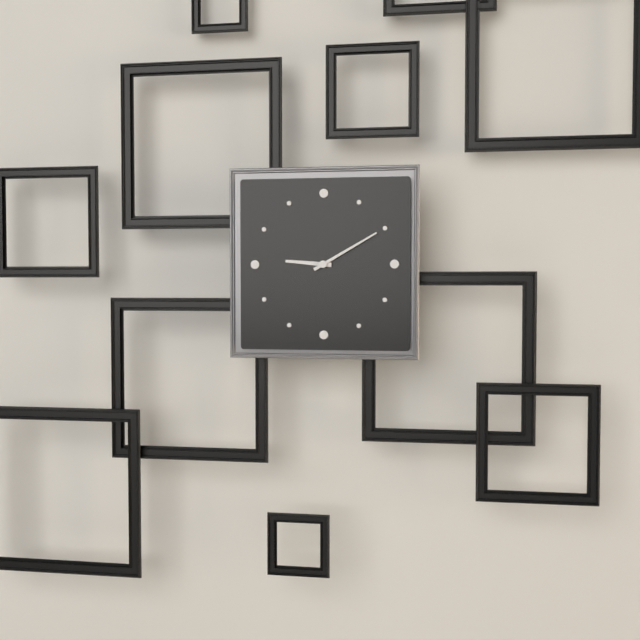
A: 9:10
